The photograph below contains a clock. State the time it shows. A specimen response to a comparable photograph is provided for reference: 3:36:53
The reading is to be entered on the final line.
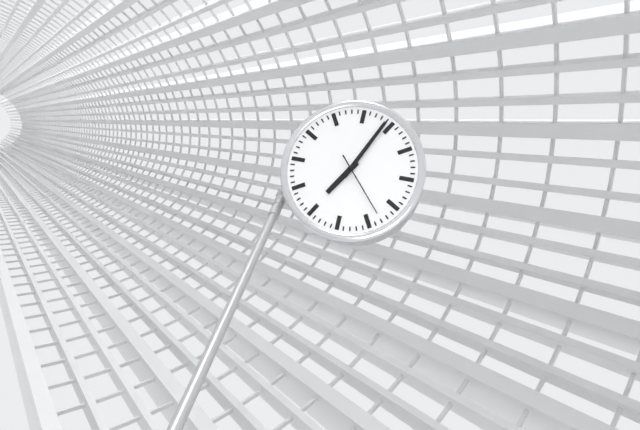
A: 7:04:23
